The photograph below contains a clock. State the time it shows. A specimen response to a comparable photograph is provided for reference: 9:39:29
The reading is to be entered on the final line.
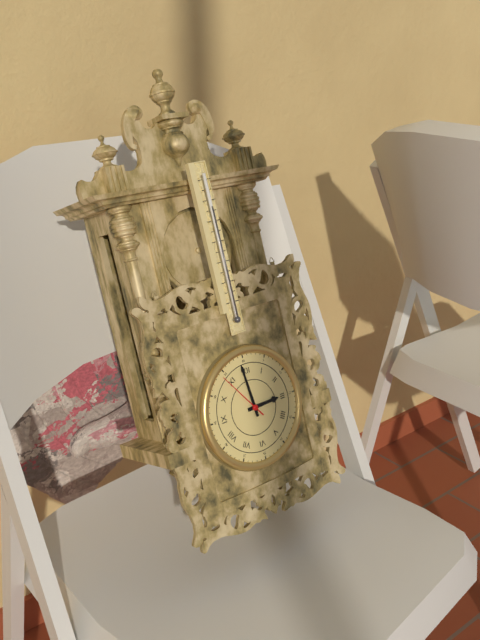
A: 2:59:54
